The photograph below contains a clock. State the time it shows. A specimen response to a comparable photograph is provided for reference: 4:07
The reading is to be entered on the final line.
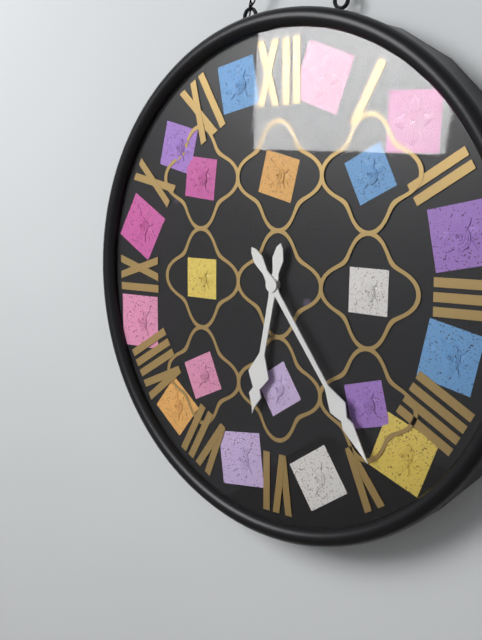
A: 6:24
